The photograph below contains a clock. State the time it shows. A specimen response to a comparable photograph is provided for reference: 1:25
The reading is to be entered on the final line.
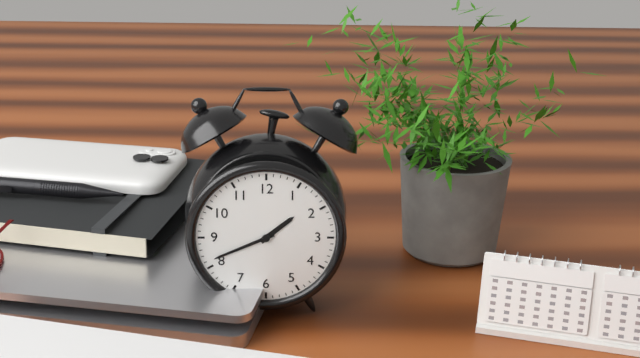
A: 1:41
